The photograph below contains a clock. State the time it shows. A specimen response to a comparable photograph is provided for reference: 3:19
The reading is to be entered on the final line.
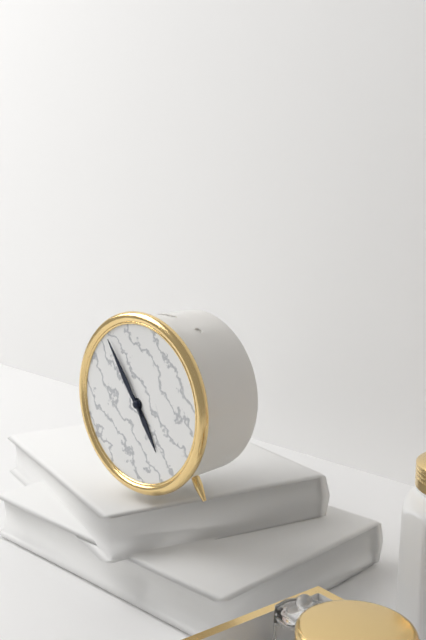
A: 4:54
